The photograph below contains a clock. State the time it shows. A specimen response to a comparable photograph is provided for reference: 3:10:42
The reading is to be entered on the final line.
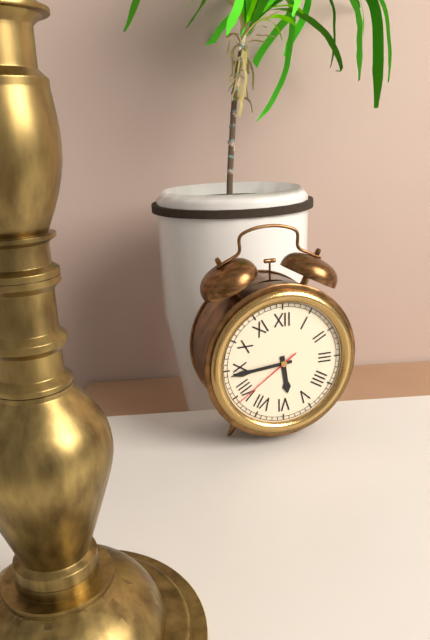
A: 5:44:39
